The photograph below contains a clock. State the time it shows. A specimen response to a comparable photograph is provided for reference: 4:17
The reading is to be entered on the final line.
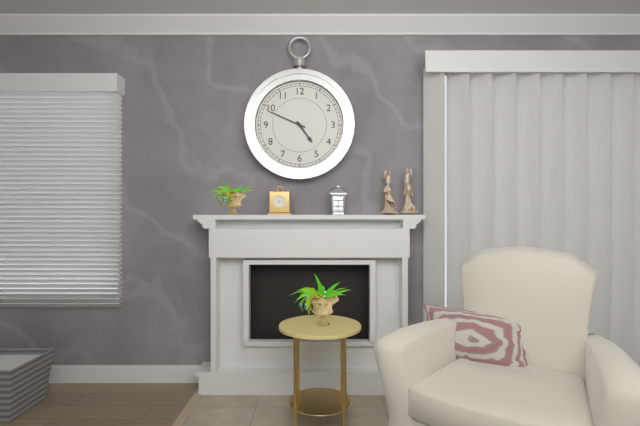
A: 4:49
